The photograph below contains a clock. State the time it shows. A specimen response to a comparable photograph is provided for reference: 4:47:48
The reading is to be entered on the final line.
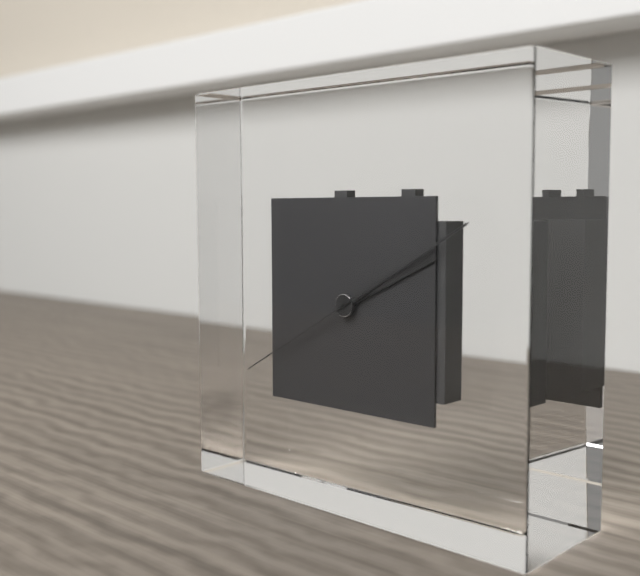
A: 2:10:40
